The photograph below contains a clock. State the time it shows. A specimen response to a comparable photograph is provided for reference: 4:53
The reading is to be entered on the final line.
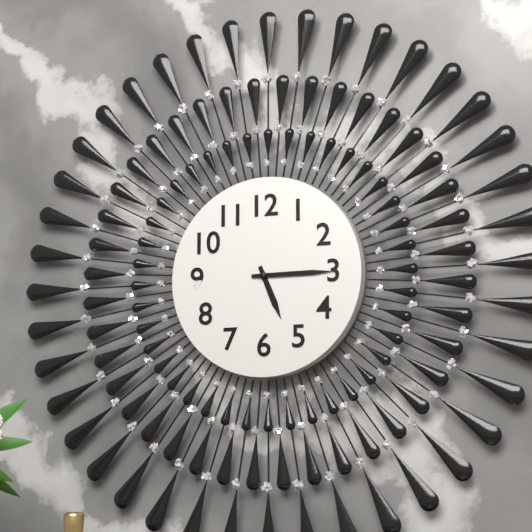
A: 5:15
